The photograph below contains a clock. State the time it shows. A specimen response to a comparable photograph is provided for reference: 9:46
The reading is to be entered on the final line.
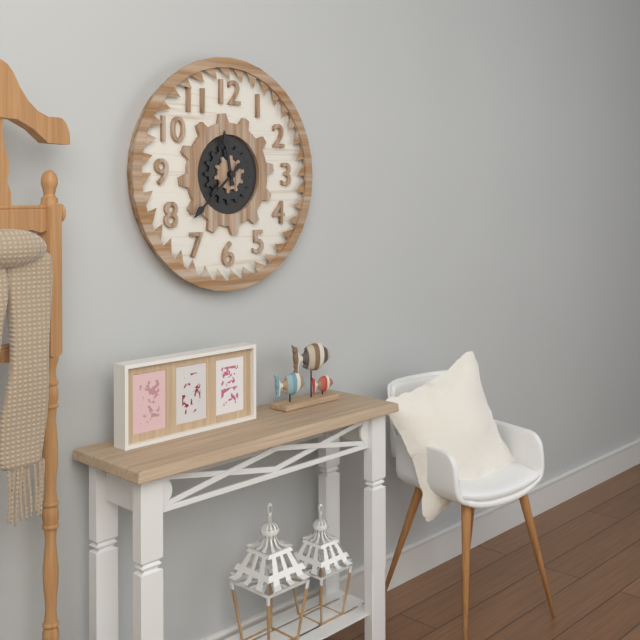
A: 11:38
